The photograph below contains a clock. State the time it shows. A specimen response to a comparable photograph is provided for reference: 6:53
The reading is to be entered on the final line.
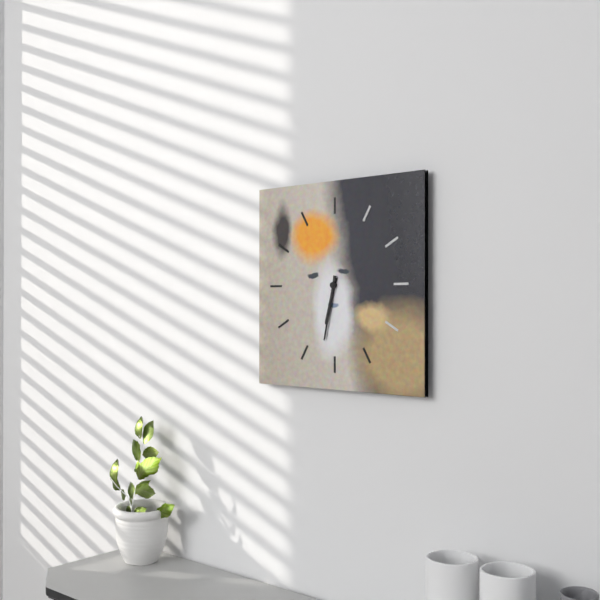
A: 6:32
